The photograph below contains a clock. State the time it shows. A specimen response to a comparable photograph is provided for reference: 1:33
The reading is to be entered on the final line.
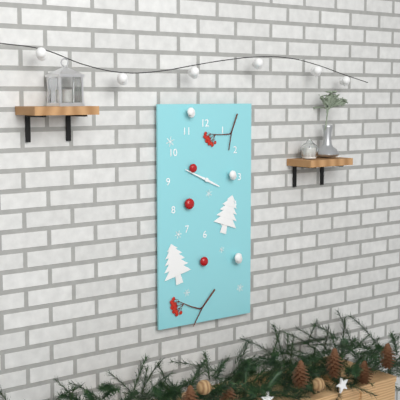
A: 3:49
